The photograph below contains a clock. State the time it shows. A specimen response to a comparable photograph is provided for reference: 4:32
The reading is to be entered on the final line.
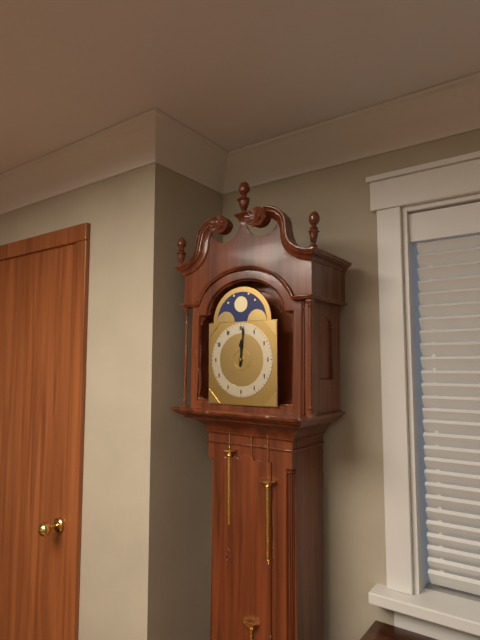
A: 12:01
